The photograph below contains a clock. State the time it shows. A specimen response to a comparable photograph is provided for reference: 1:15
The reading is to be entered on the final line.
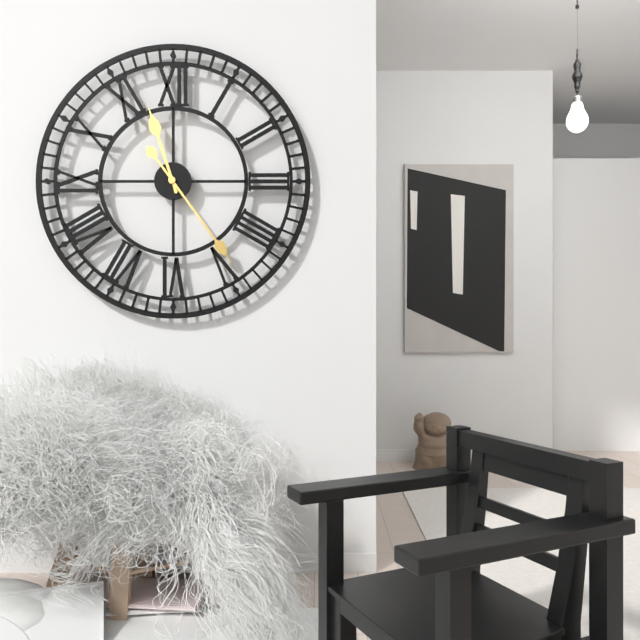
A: 11:24
